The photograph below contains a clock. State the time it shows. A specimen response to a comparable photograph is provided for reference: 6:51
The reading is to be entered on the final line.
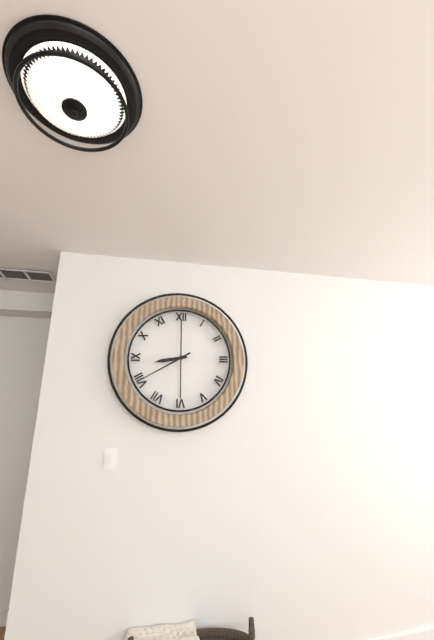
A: 8:40
